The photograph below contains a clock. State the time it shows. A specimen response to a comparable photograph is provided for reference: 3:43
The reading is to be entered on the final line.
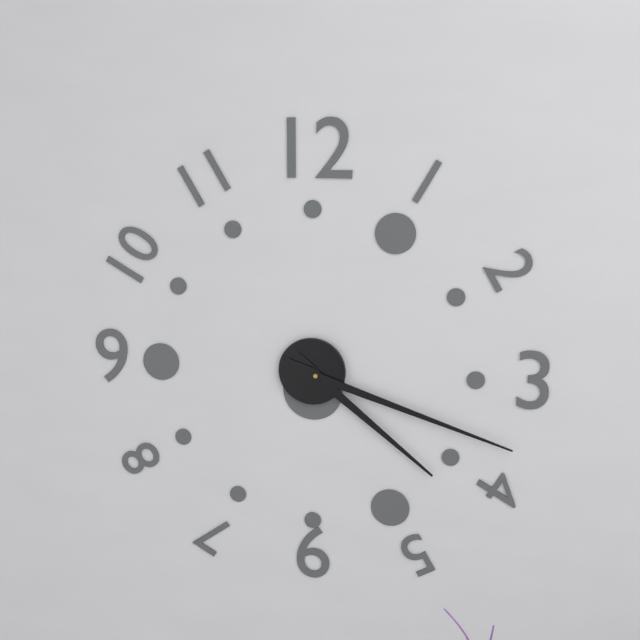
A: 4:18
